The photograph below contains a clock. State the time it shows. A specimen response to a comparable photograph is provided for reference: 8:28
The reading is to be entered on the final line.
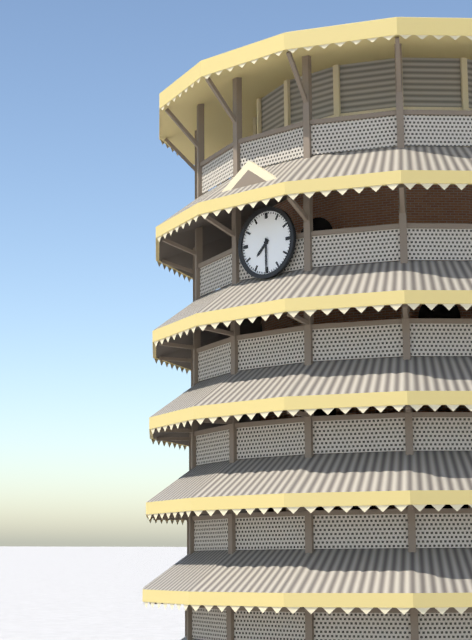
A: 7:30
